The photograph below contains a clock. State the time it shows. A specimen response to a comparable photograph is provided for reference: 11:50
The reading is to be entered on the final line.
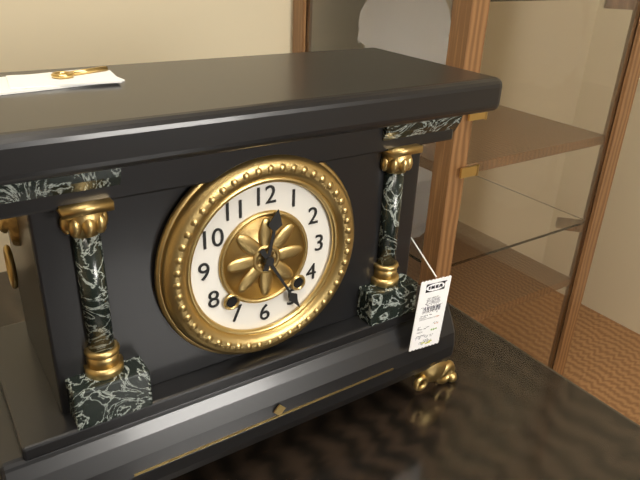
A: 12:25
